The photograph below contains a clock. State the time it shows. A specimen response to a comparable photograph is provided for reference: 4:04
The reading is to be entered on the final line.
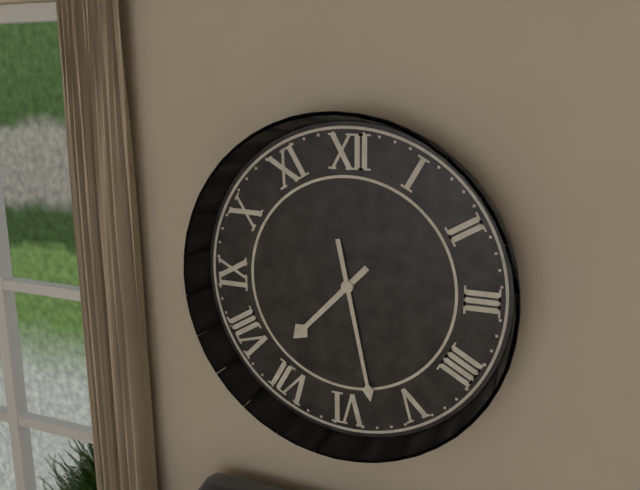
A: 7:28
